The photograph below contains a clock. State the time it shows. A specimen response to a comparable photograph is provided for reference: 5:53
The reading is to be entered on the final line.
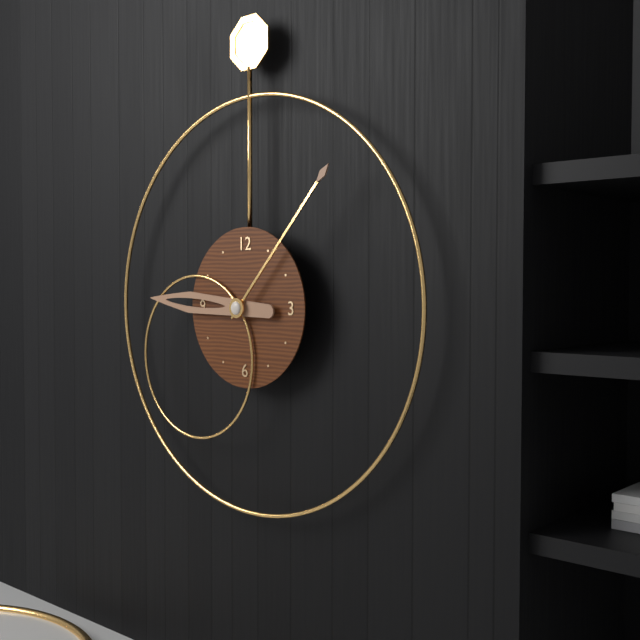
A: 9:07
